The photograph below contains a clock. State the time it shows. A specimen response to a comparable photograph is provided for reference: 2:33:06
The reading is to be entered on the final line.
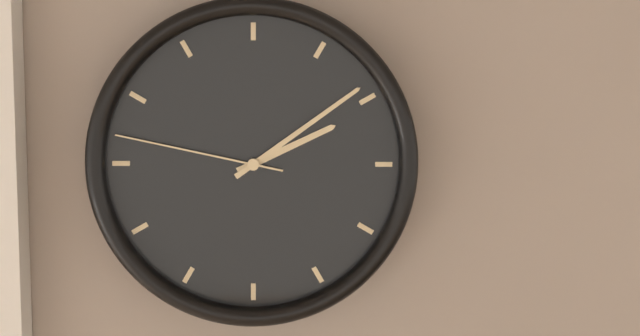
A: 2:09:47
